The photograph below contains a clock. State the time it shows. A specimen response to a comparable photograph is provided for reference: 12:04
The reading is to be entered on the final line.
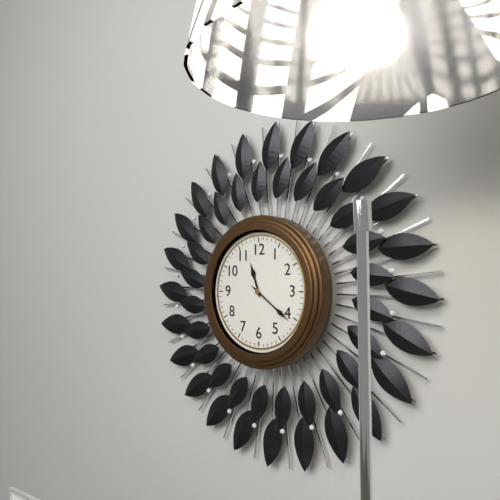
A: 11:21
